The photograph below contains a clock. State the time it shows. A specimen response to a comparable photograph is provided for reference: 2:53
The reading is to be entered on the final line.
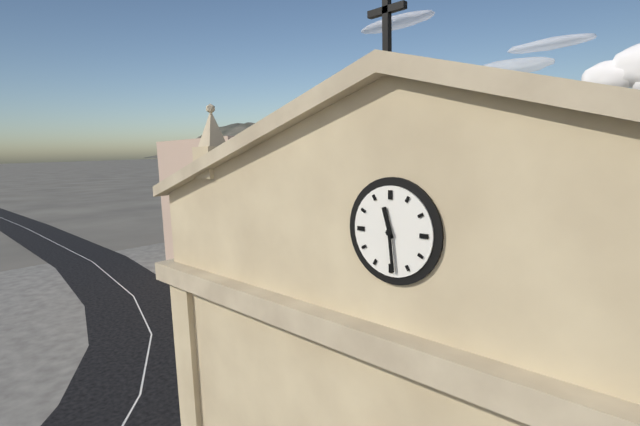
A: 11:29
